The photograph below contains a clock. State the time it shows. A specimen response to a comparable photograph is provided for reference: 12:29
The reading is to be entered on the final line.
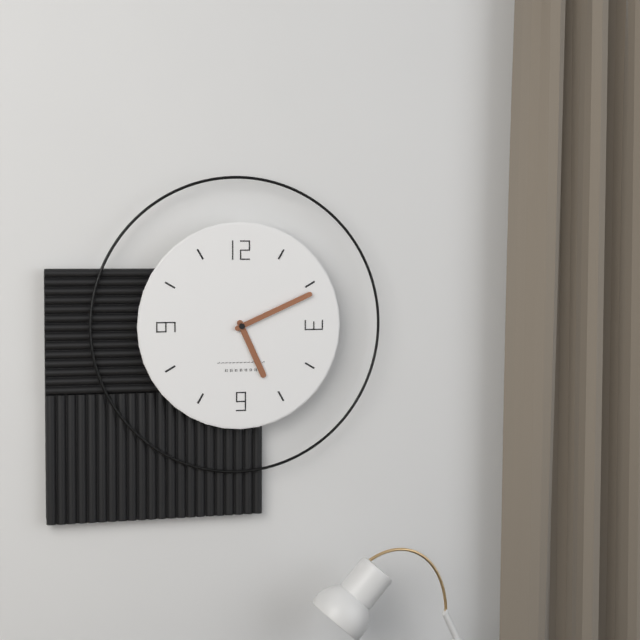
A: 5:11
